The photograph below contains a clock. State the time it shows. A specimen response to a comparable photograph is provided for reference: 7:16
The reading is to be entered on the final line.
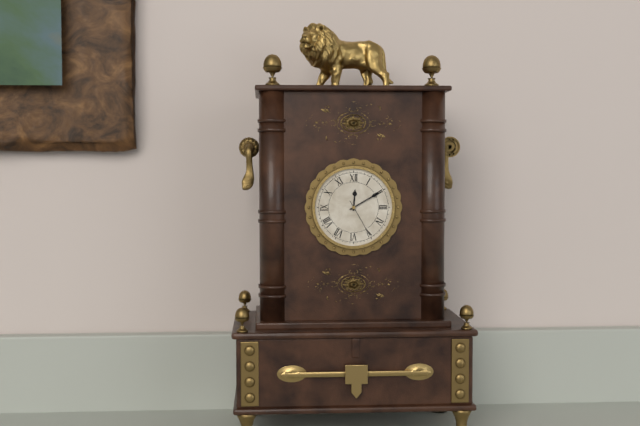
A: 12:10
